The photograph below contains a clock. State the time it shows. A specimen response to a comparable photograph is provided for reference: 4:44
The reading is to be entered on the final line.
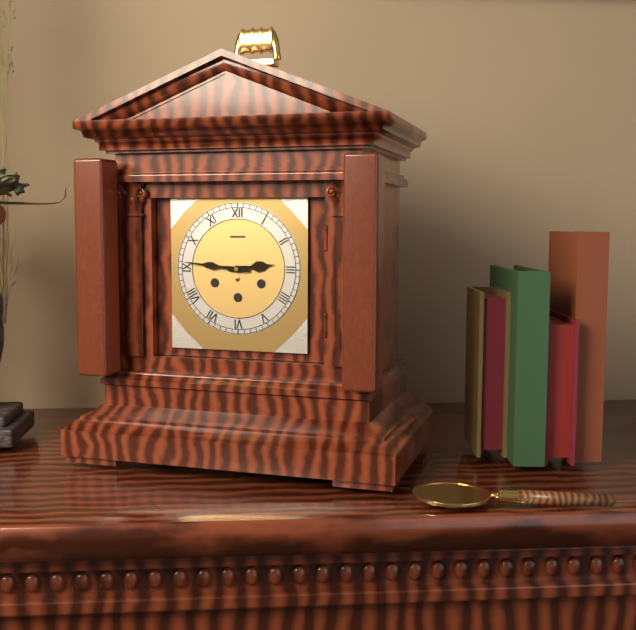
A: 2:46
